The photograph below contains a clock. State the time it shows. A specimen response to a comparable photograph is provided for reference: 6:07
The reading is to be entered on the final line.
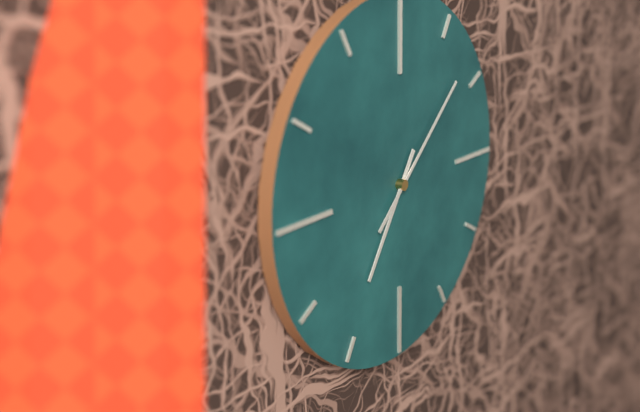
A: 7:08
